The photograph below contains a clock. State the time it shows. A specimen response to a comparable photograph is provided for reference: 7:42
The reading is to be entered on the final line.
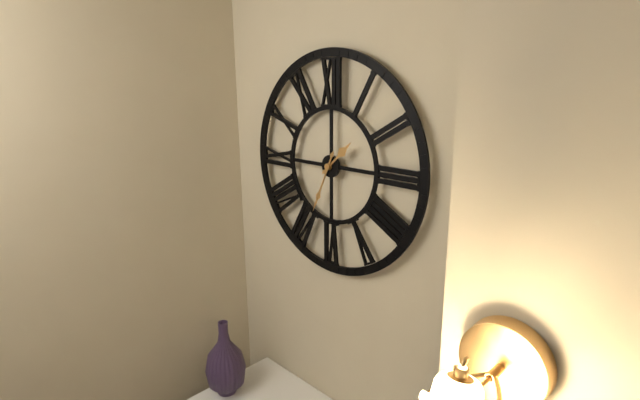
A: 1:34
